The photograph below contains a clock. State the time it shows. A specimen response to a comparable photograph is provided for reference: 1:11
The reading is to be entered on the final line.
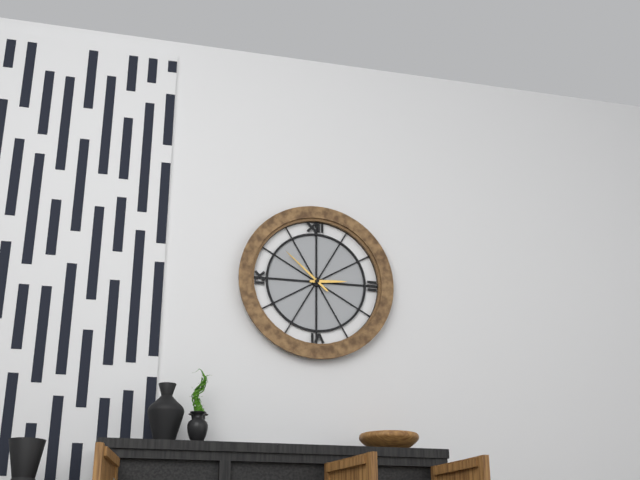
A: 2:52
